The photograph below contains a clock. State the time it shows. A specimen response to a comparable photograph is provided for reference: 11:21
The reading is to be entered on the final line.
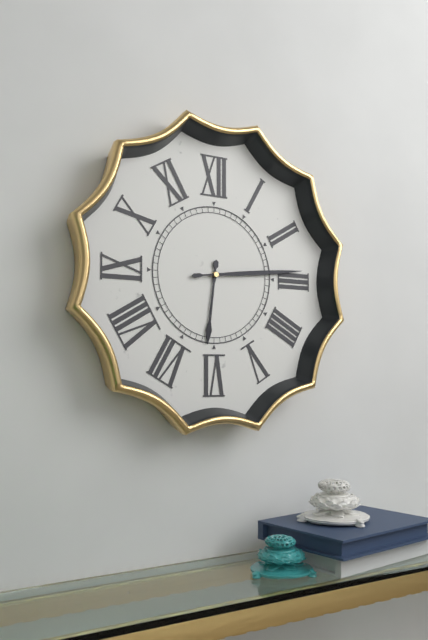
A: 6:14
